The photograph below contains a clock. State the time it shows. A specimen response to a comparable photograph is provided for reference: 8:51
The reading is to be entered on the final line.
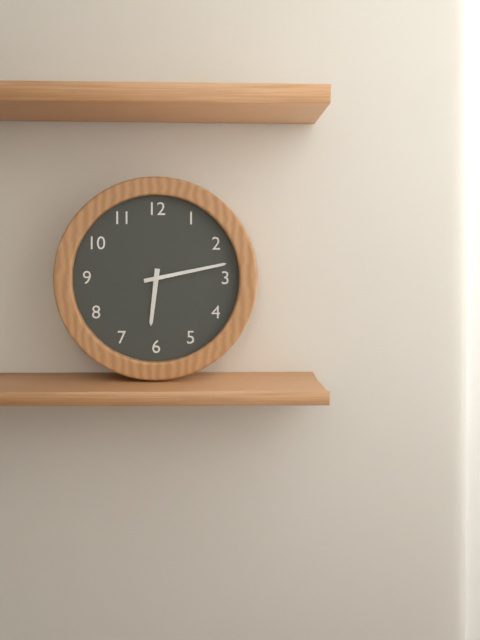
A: 6:13
